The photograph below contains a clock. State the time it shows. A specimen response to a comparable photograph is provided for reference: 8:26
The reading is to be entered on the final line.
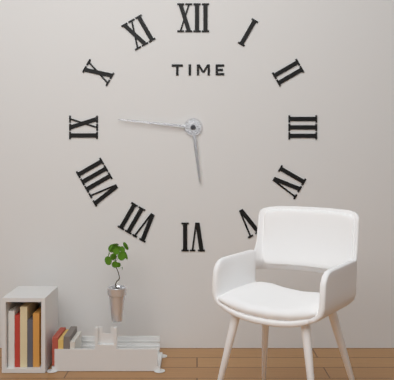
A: 5:46
